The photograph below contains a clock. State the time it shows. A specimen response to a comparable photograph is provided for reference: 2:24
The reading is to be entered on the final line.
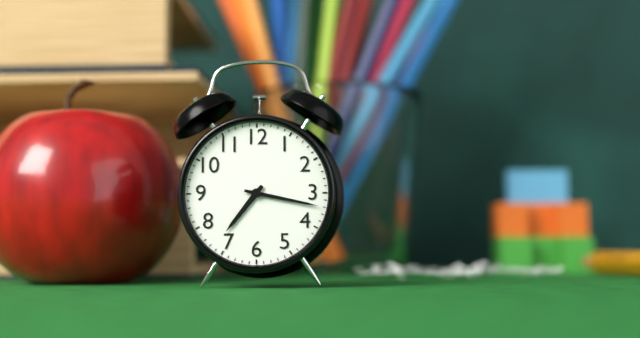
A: 7:17
